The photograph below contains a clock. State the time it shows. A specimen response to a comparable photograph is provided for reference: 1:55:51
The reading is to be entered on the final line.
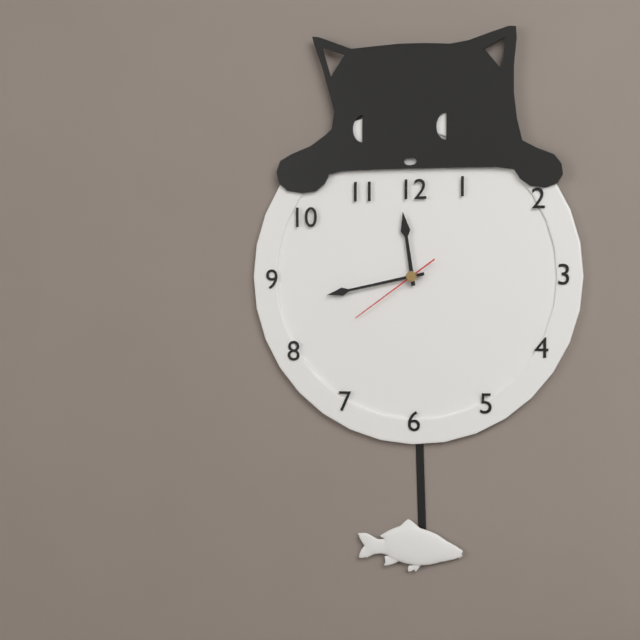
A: 11:43:39
